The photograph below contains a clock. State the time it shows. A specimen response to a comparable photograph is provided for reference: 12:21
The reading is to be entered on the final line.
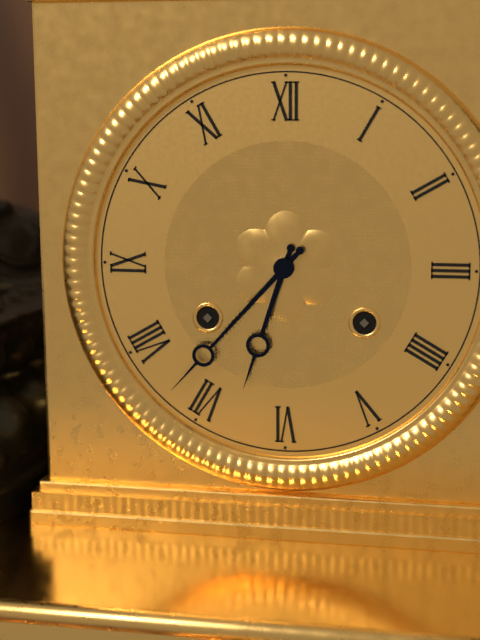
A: 6:37
